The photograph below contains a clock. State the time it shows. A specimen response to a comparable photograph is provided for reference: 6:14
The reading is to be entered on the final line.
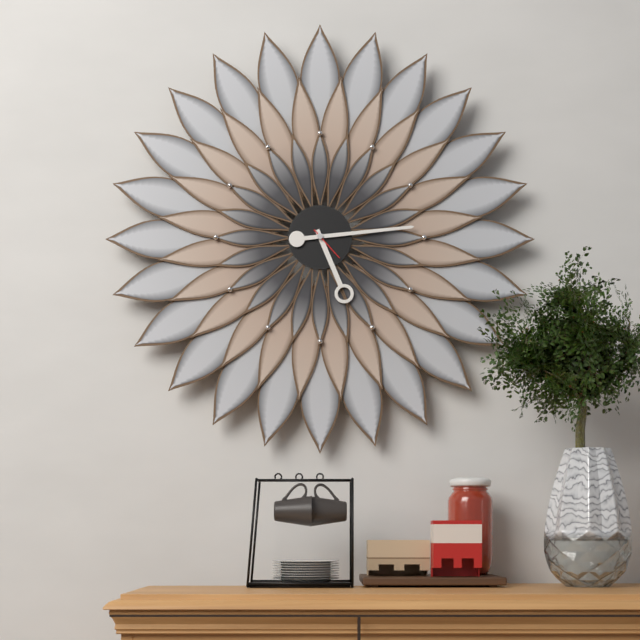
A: 5:14
